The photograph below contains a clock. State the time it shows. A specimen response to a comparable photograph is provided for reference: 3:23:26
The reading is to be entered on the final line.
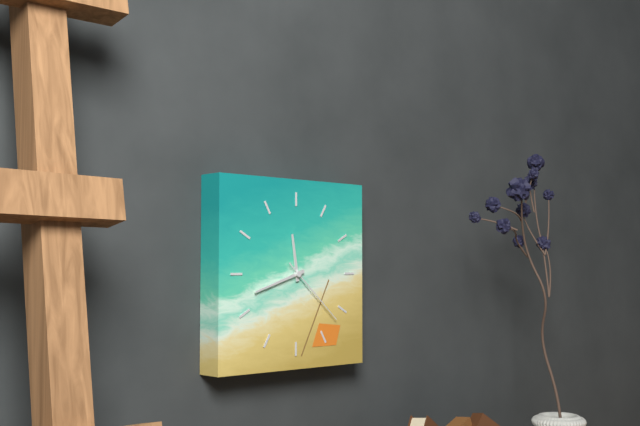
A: 11:42:22
